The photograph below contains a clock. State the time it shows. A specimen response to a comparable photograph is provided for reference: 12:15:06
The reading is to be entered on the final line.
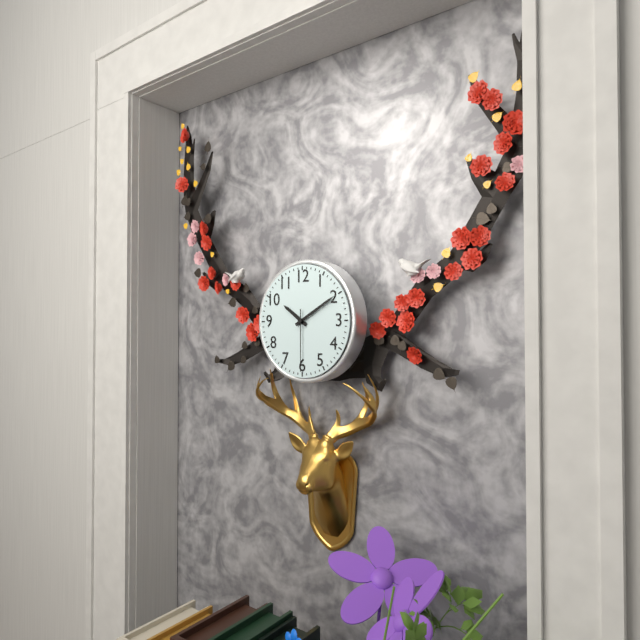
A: 10:10:30
